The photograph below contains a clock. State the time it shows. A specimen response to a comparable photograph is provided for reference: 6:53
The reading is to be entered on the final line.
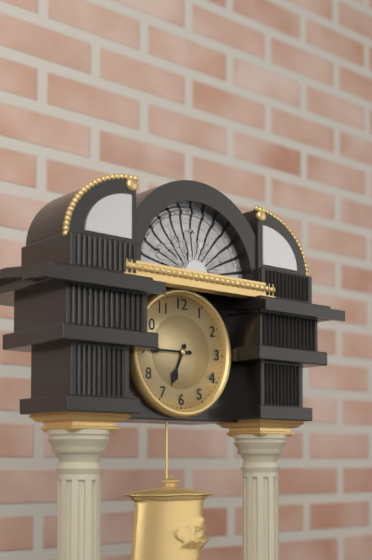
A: 6:45
